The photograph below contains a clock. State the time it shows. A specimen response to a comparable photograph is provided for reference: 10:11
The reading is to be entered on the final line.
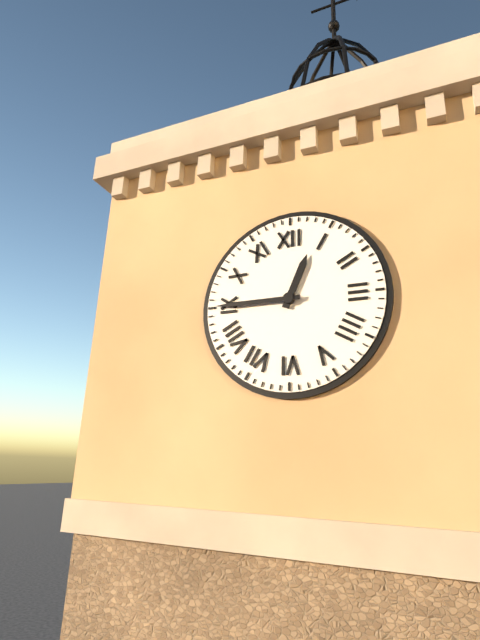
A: 12:45
